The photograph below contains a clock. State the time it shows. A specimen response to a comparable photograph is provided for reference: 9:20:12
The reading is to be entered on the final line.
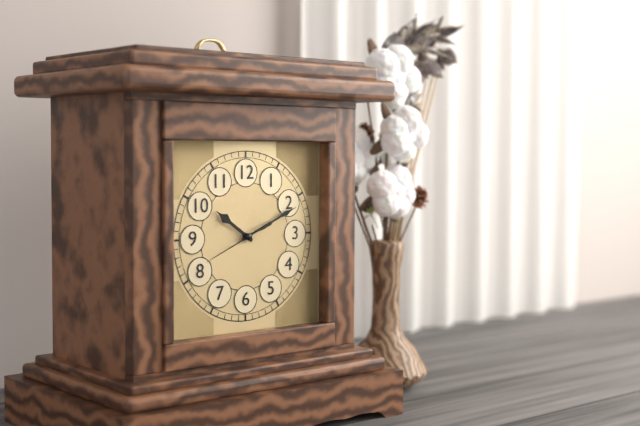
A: 10:11:41
